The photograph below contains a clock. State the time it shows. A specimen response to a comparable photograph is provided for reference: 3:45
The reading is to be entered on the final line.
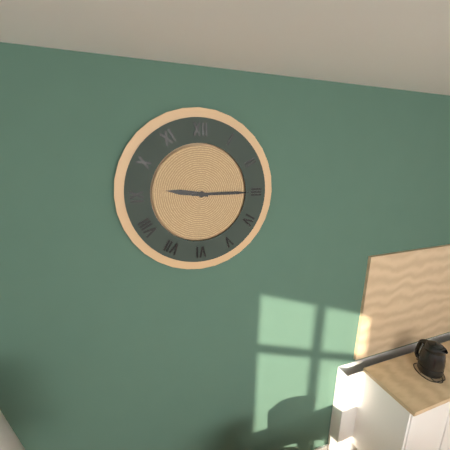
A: 9:15
